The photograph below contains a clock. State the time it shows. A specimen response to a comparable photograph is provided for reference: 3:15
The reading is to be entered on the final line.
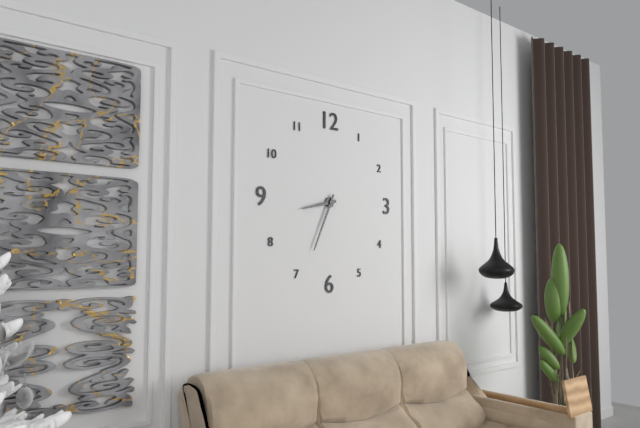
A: 8:34
